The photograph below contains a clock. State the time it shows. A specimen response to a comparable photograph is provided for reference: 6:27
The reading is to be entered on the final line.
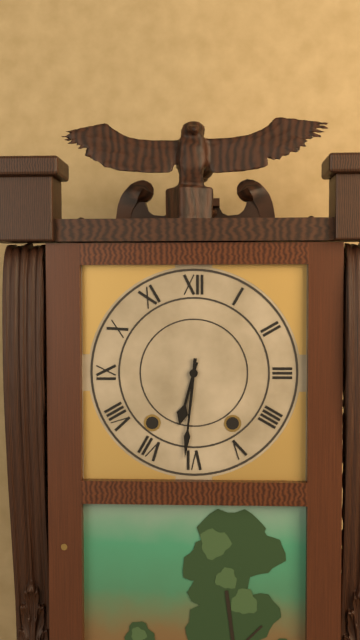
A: 6:31
